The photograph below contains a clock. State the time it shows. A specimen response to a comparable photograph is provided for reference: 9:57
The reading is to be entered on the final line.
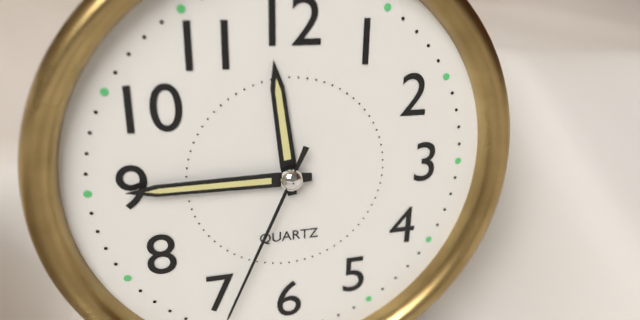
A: 11:45
